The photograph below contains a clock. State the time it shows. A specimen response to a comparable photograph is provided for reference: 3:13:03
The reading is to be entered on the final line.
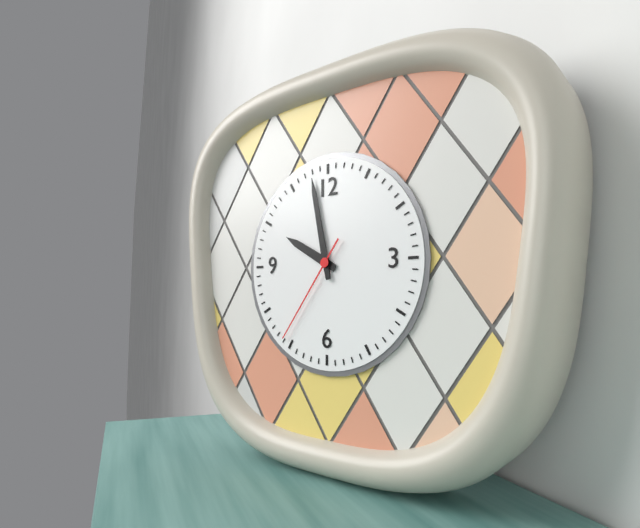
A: 9:58:36
